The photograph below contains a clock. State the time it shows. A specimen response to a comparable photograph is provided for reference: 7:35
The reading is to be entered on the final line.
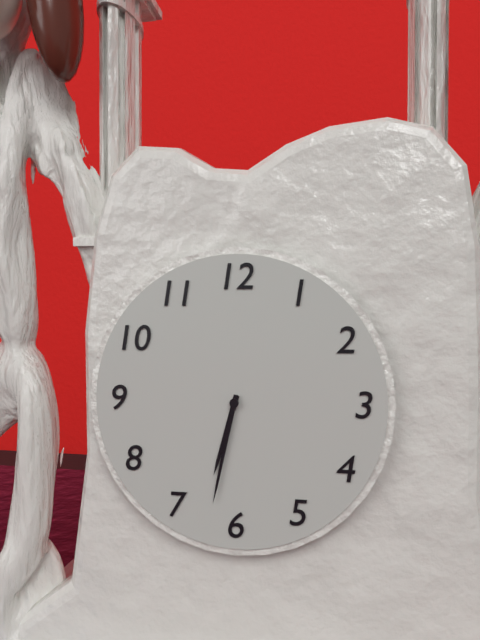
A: 6:32
